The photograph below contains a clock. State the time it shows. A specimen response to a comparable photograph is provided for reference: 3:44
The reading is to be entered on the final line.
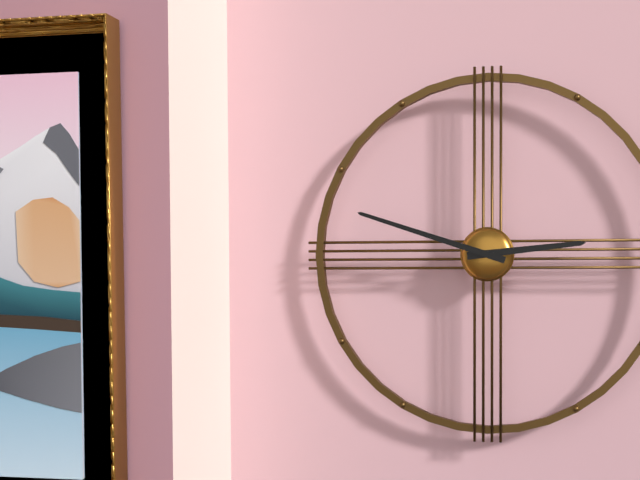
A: 2:48
